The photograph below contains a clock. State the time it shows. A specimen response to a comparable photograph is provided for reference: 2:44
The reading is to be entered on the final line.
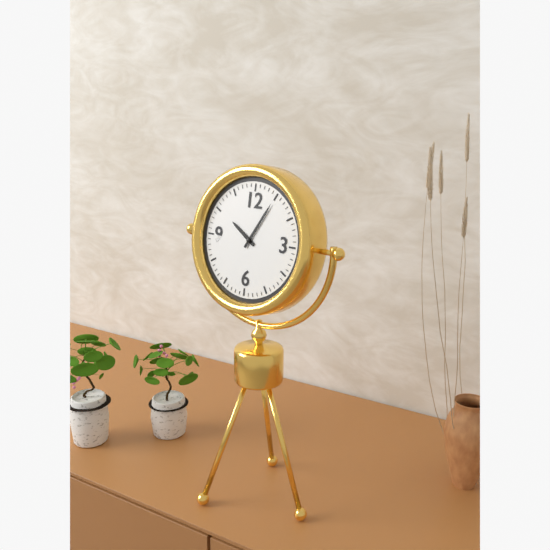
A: 10:05
